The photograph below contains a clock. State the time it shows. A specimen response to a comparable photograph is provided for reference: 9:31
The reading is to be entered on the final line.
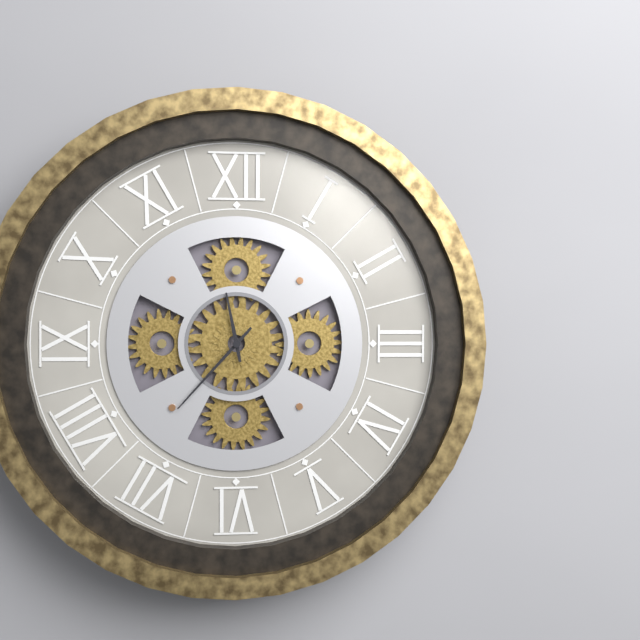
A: 11:37
